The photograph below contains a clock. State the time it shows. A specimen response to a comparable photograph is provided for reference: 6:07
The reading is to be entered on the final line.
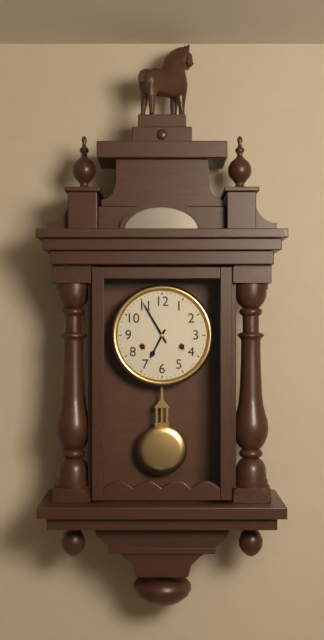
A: 6:55
